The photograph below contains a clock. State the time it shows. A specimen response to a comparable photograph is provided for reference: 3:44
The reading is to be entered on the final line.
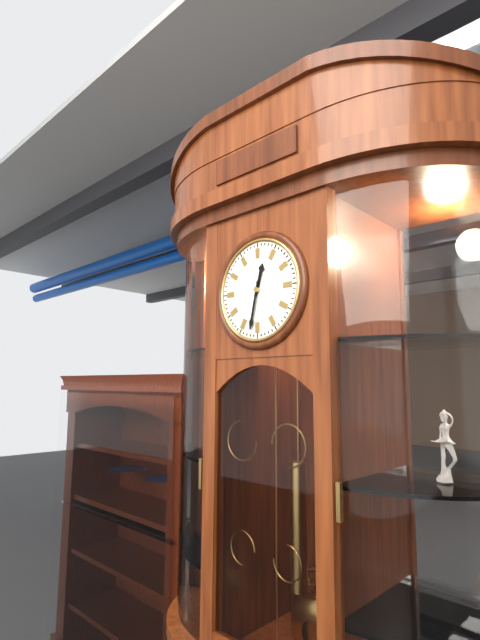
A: 12:32
